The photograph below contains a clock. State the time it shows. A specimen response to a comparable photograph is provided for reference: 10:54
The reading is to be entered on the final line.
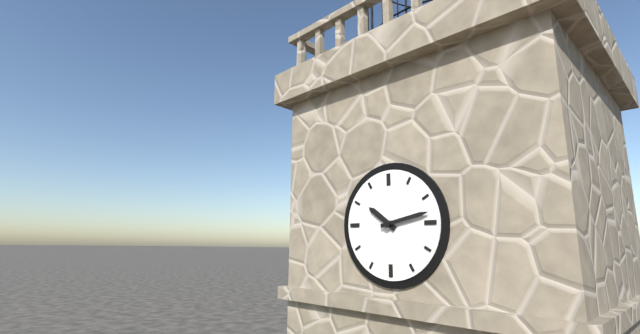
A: 10:13
